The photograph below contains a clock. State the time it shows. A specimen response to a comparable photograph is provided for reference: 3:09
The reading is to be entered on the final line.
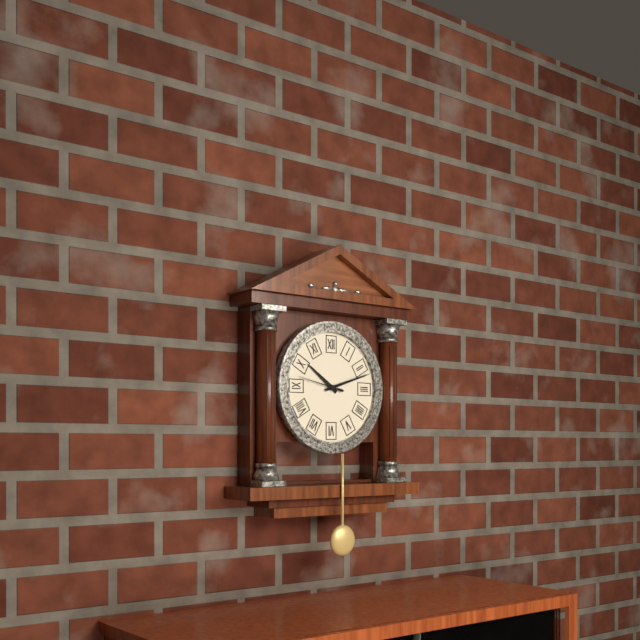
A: 10:12
